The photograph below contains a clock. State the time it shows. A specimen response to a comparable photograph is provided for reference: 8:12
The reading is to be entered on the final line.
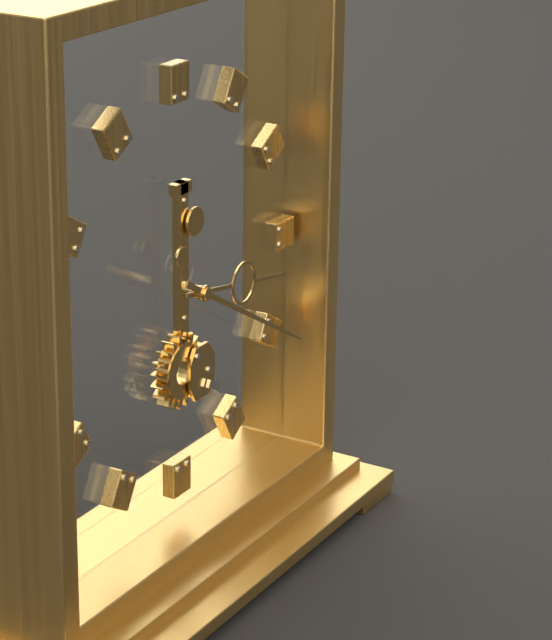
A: 3:20
